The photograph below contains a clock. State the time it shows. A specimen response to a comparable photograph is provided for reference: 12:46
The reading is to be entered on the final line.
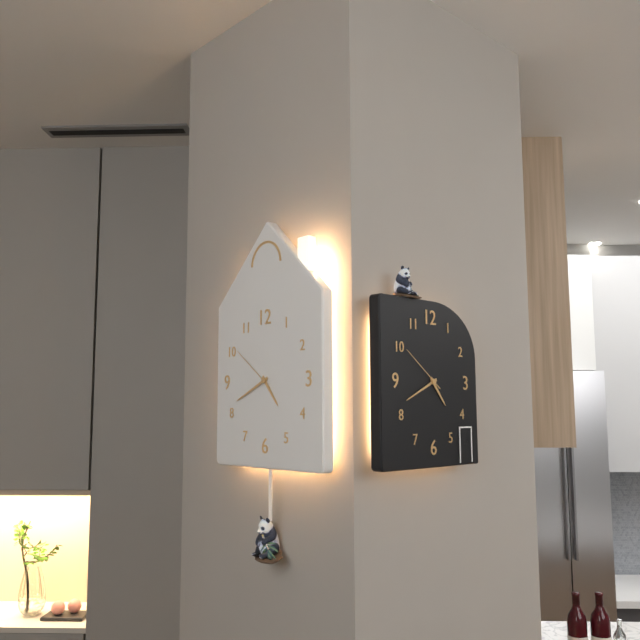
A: 4:41
